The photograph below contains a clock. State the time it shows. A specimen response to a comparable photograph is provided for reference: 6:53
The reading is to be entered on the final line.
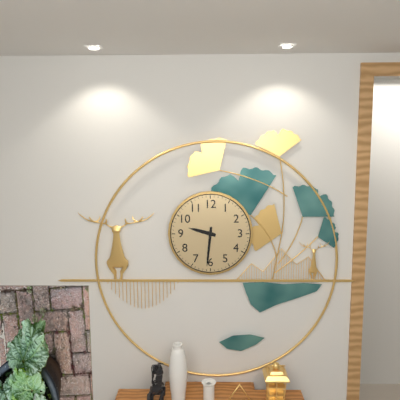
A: 9:31
